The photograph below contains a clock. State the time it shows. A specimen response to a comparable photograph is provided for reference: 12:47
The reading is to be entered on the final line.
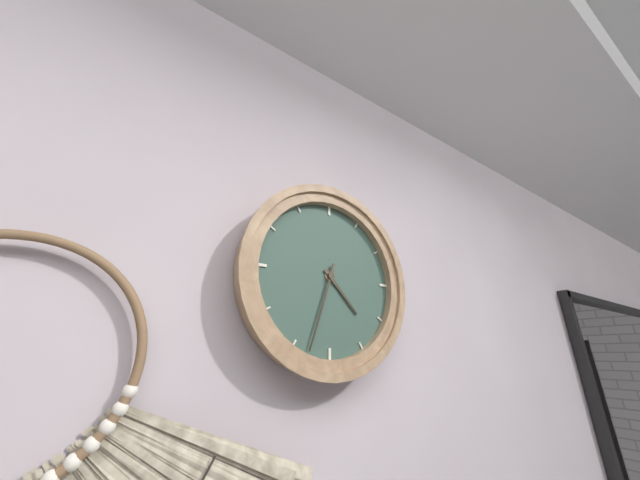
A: 4:33
